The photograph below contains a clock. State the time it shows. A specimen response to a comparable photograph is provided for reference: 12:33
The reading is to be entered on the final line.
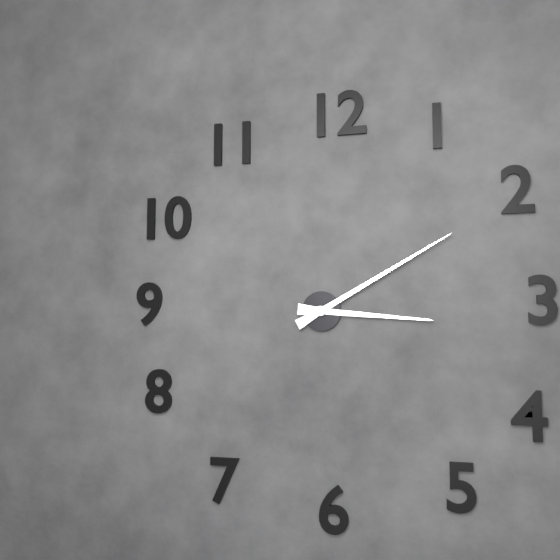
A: 3:10
